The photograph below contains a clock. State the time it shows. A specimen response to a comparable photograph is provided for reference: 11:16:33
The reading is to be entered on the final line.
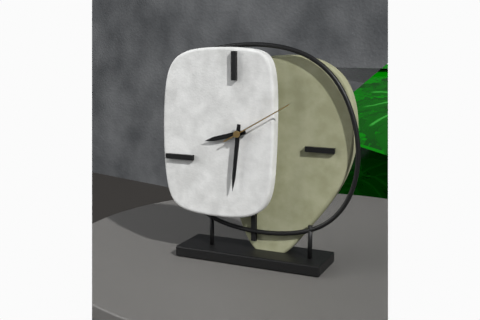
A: 8:31:10
